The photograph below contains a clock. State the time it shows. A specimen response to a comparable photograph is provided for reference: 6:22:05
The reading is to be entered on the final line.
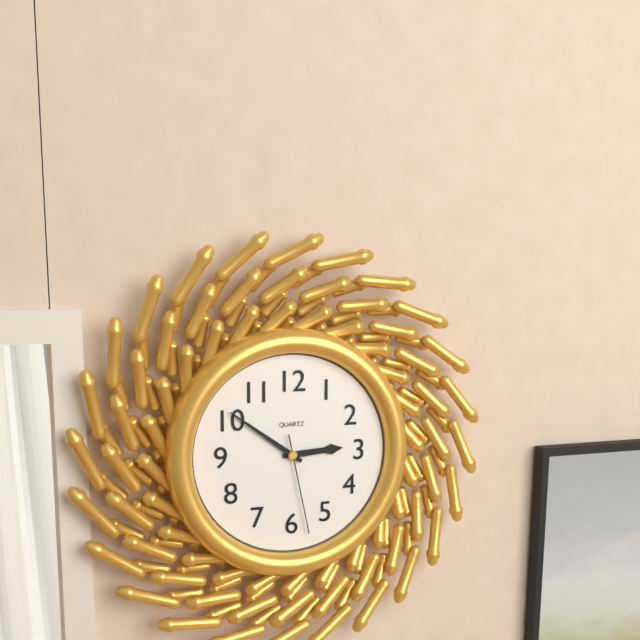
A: 2:51:28
